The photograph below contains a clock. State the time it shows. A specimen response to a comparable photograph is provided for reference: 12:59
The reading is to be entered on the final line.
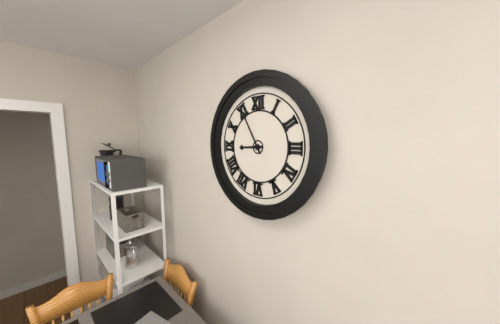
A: 8:55
